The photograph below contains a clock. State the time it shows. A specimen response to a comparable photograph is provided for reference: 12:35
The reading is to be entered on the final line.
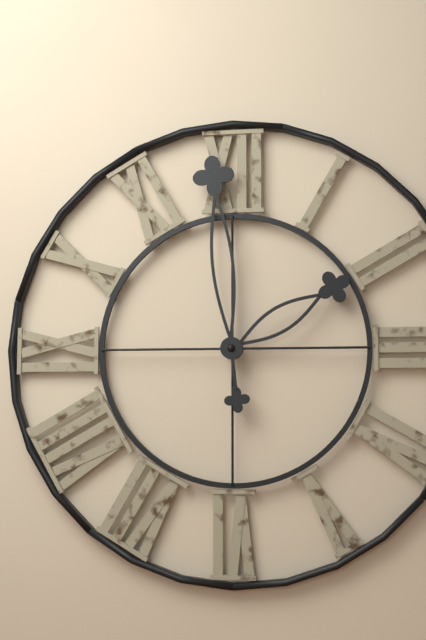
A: 1:59
